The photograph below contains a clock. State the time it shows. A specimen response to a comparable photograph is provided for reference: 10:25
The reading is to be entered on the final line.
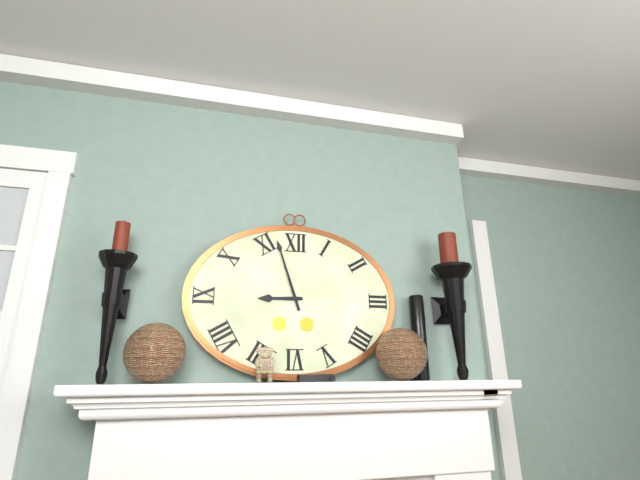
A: 8:57
